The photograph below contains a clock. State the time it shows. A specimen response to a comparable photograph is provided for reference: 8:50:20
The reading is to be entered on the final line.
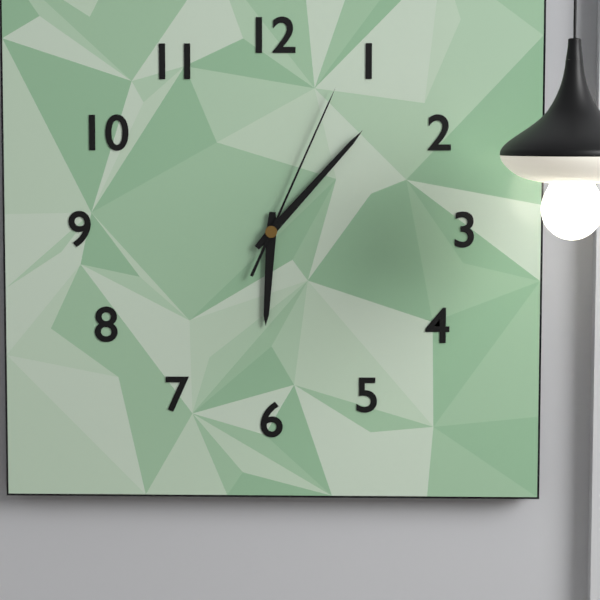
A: 6:07:04
